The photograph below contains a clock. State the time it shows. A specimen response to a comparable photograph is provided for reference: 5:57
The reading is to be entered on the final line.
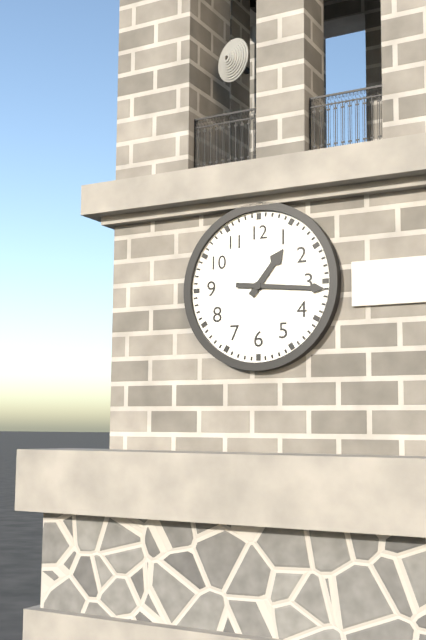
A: 1:16
